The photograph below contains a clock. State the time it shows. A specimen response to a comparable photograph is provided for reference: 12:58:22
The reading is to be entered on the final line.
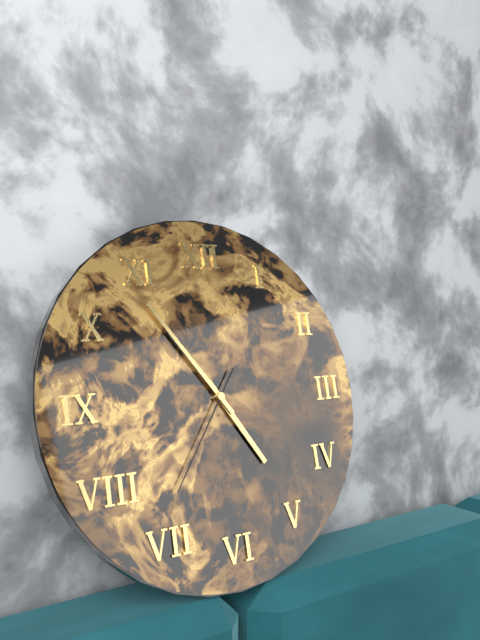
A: 4:54:36
